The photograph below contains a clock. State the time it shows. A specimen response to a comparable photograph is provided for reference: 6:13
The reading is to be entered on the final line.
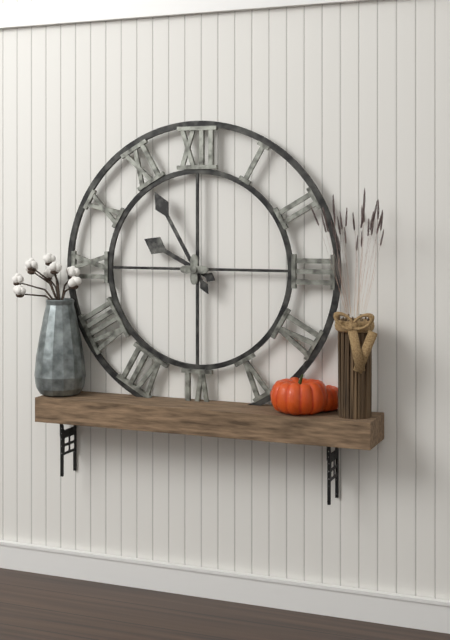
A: 9:55
